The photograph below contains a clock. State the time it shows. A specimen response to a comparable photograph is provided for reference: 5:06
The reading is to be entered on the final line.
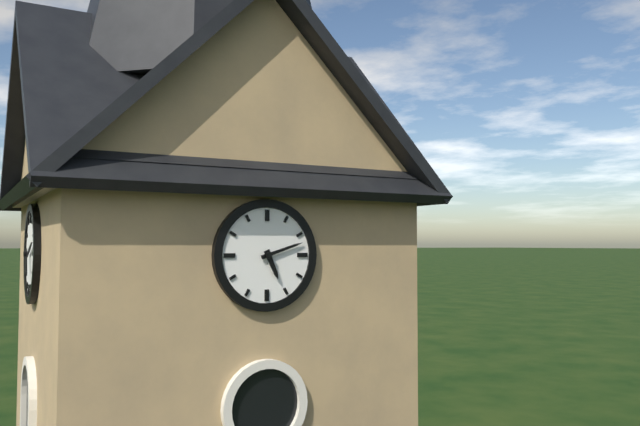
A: 5:12
